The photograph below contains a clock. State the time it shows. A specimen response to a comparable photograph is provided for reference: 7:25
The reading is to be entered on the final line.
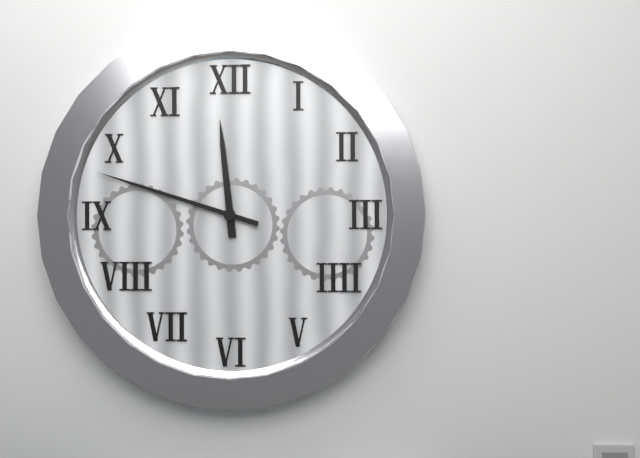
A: 11:48
